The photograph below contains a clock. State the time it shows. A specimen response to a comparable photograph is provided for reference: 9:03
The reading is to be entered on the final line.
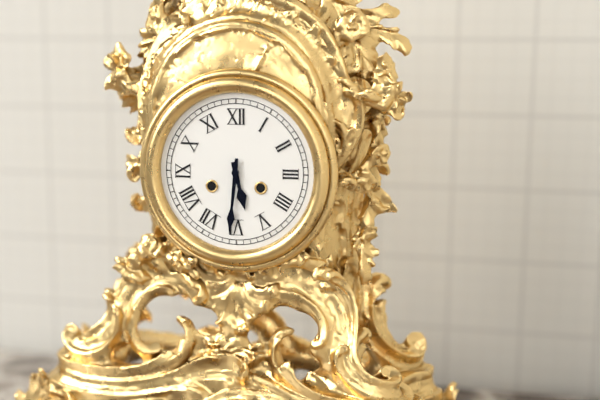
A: 5:31
